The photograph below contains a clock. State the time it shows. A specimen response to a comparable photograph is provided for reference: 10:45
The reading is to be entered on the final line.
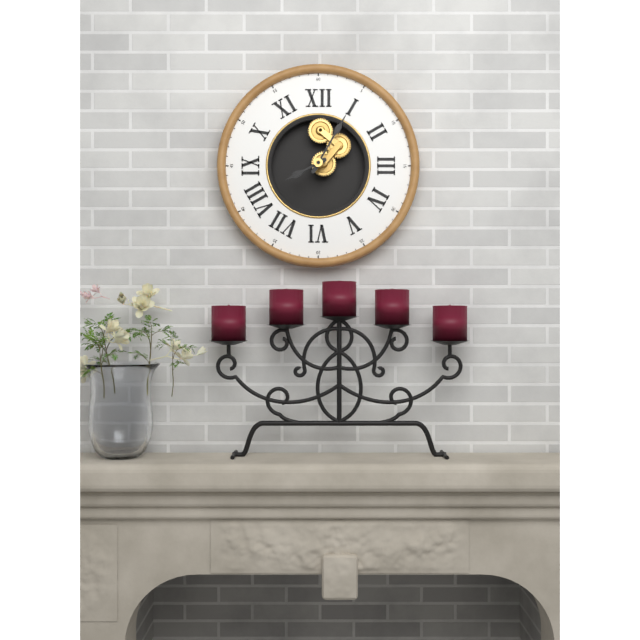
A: 8:05
